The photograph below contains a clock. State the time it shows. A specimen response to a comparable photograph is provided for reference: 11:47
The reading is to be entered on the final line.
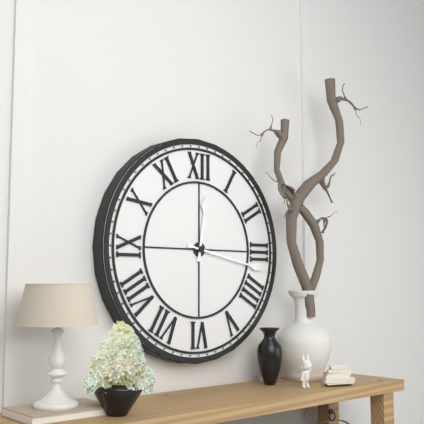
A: 12:17
